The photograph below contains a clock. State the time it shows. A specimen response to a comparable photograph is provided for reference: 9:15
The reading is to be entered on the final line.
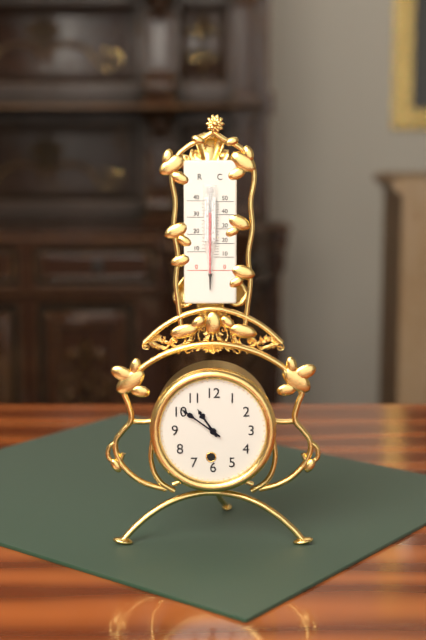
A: 10:51
